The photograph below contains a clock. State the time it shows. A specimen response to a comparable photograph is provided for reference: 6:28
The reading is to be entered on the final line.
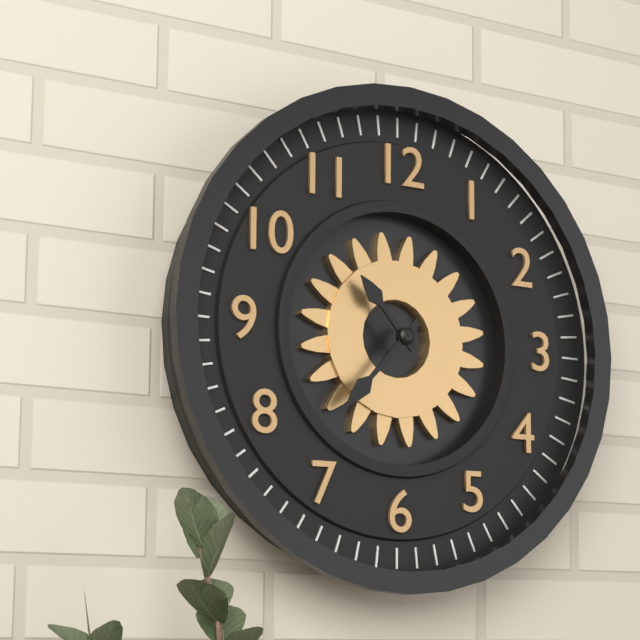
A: 10:37
